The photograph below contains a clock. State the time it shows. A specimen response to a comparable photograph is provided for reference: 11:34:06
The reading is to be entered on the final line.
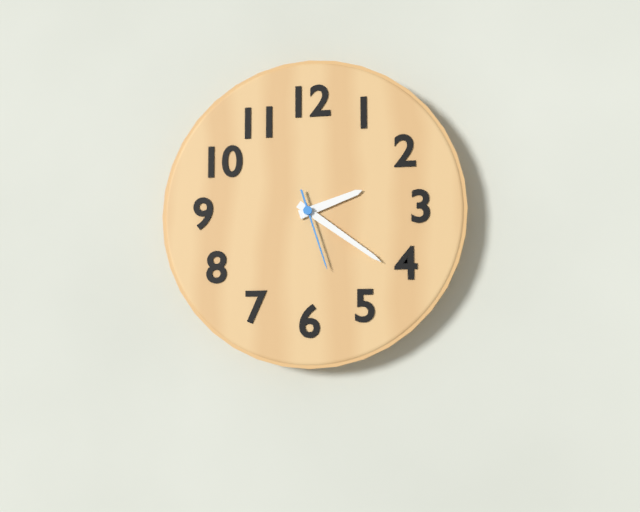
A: 2:21:27
